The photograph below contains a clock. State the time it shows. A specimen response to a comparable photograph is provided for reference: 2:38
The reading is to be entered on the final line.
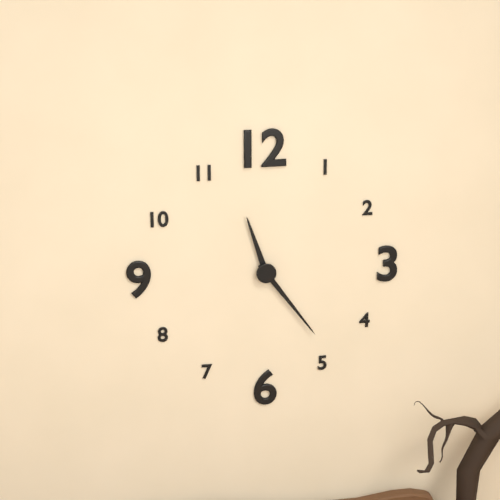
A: 11:24
